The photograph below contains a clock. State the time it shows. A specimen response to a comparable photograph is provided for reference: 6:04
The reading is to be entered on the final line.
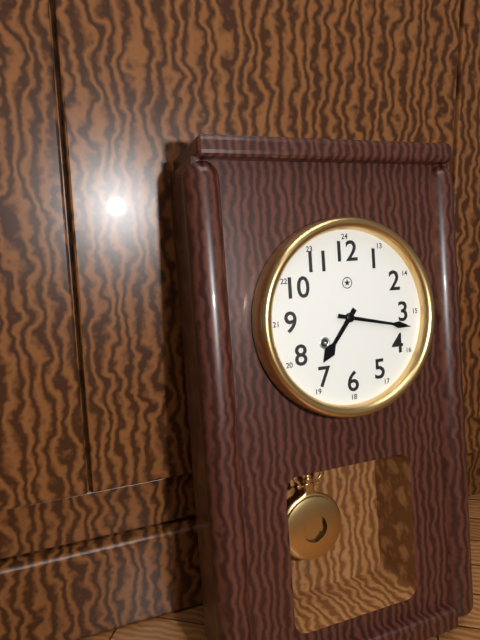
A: 7:17
